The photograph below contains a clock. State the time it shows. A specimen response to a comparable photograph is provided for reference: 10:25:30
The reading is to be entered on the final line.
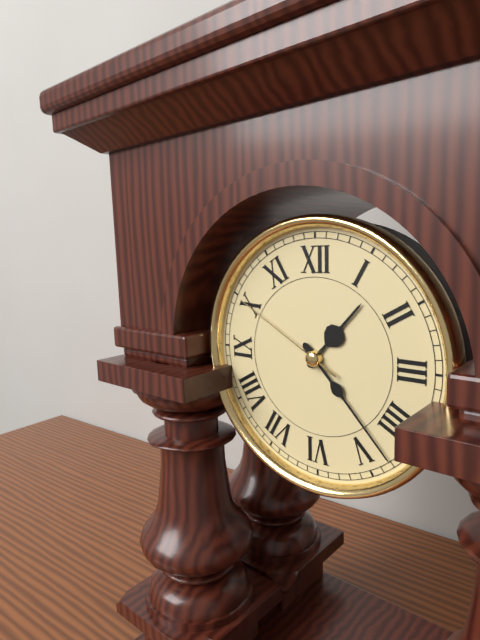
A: 1:23:50
